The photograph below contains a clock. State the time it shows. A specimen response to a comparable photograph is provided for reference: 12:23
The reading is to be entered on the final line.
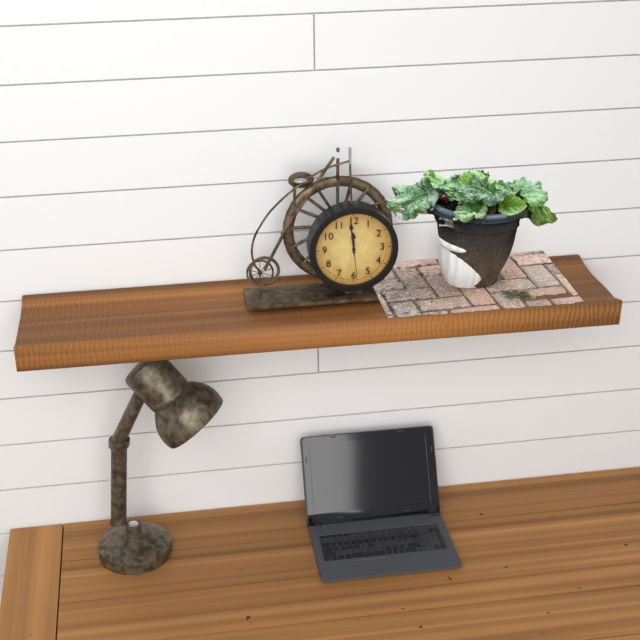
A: 11:59
